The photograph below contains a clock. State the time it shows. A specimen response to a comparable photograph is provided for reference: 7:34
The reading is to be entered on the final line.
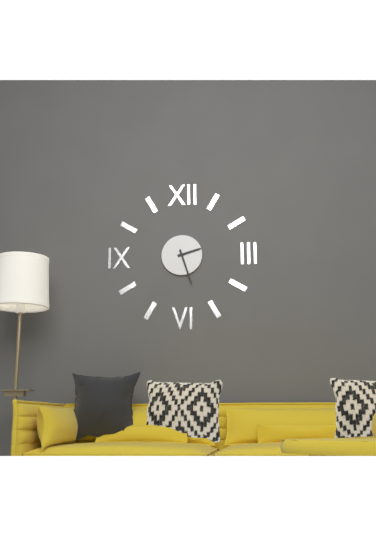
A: 2:27
